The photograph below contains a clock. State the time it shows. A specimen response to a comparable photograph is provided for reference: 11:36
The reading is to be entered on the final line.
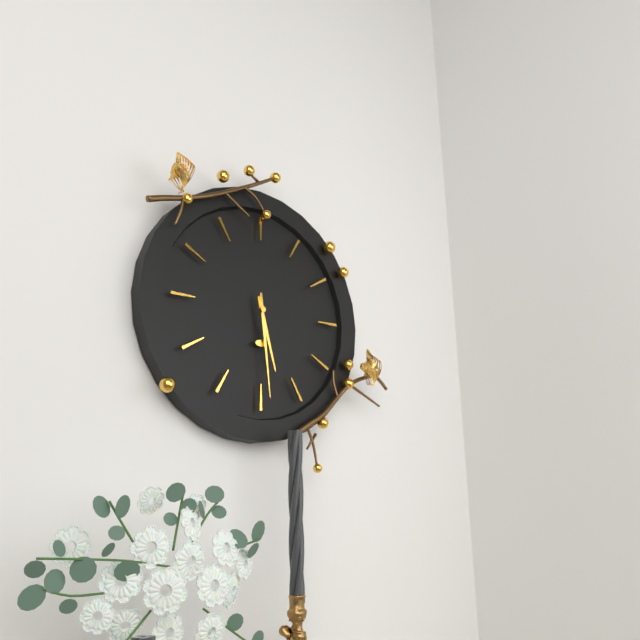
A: 5:29
